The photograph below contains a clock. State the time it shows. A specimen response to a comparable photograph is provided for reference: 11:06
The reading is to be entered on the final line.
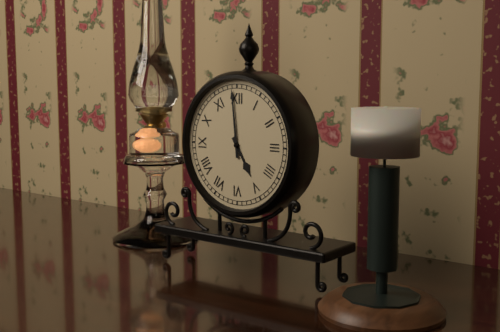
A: 4:59
